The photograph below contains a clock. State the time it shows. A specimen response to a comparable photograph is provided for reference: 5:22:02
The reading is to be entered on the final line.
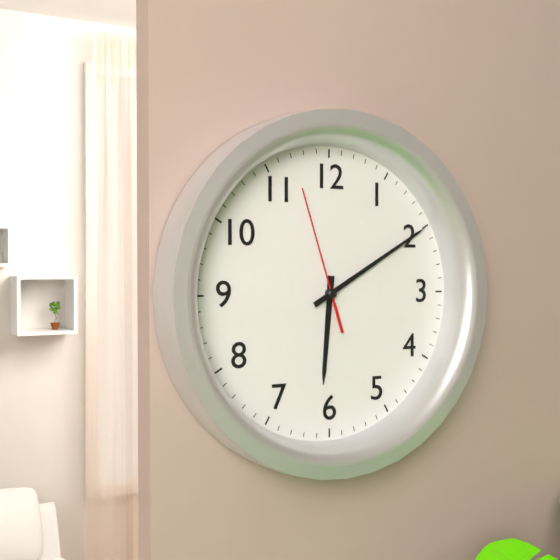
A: 6:10:57
